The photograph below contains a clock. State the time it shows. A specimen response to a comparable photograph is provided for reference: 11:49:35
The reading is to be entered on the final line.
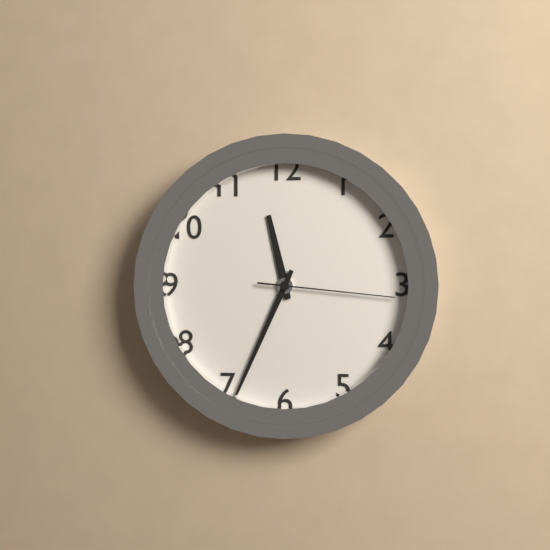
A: 11:34:16
